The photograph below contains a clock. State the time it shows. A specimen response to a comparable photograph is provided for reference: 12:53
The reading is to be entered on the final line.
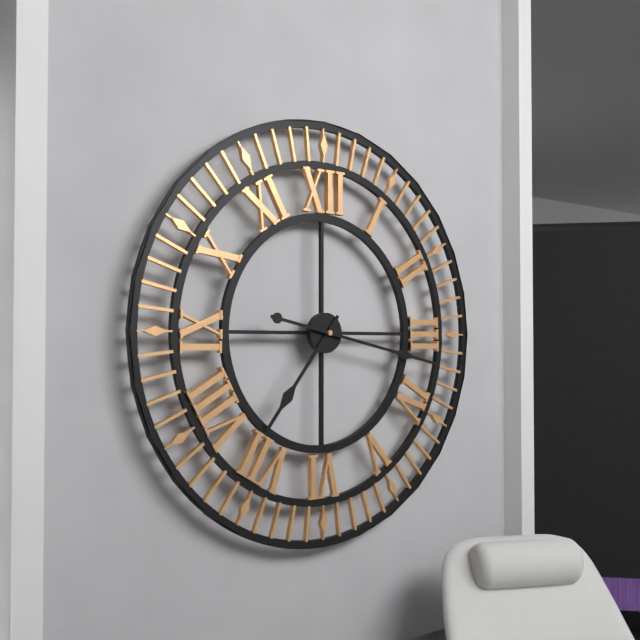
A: 7:17
